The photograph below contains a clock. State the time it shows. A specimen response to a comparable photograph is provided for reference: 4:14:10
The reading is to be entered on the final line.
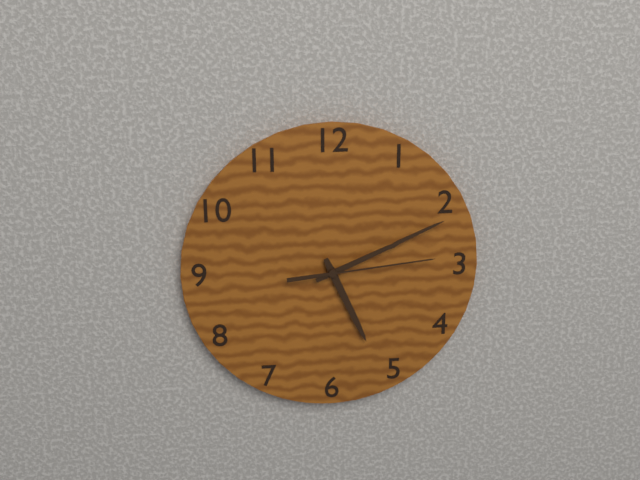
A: 5:11:14
